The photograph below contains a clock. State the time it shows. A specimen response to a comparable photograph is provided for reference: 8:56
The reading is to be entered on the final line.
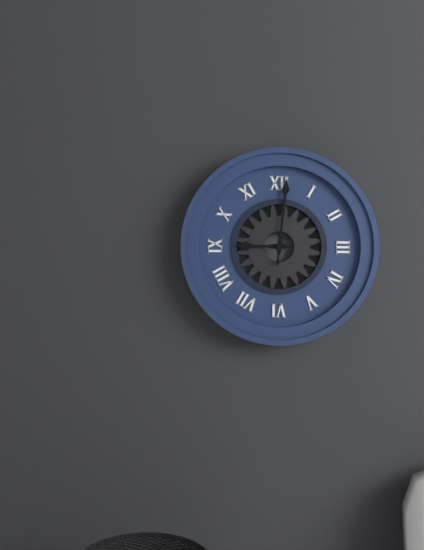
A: 9:01
